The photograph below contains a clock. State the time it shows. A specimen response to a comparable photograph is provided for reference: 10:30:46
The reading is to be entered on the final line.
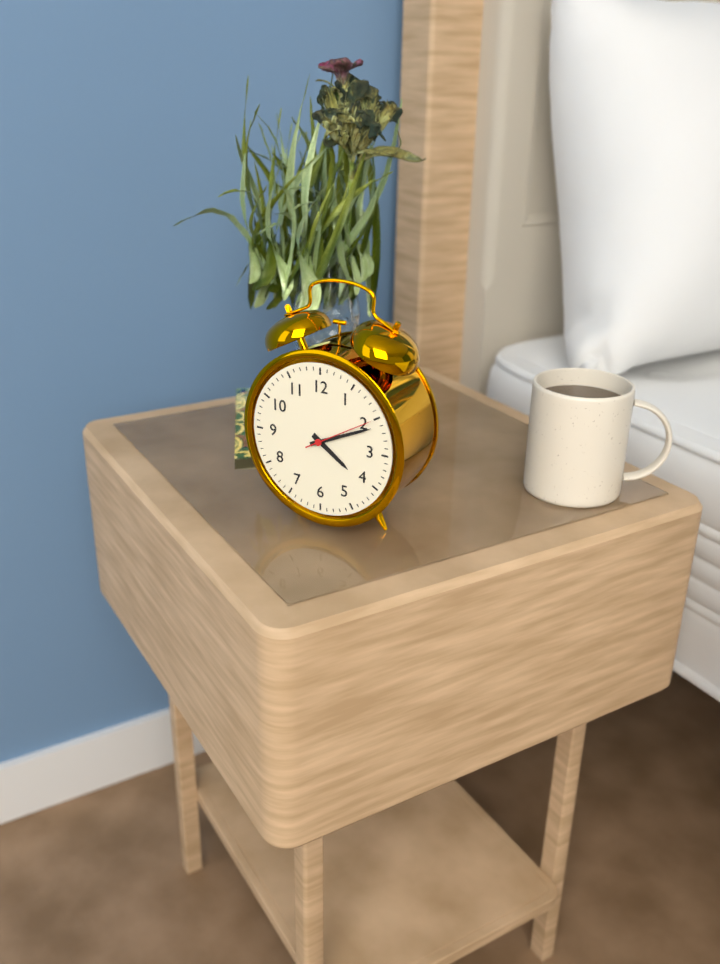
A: 4:11:10
